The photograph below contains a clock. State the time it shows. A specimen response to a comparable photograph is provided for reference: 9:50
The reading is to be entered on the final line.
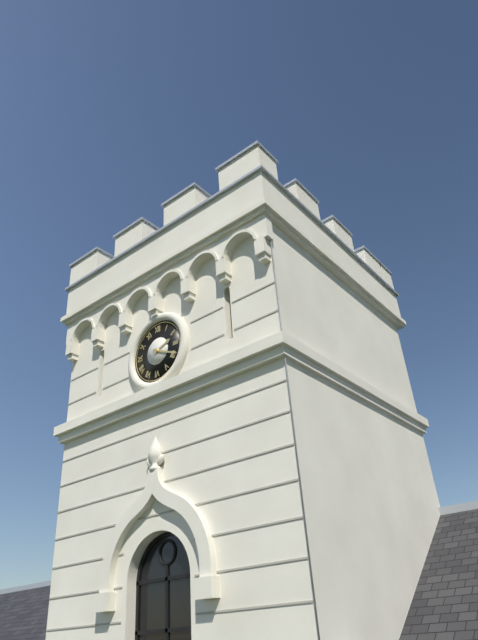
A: 2:19
